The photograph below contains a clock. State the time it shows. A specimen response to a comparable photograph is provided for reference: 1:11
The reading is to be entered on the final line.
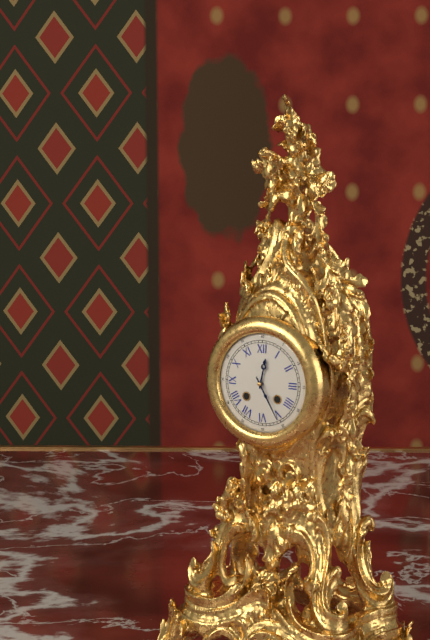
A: 12:25
